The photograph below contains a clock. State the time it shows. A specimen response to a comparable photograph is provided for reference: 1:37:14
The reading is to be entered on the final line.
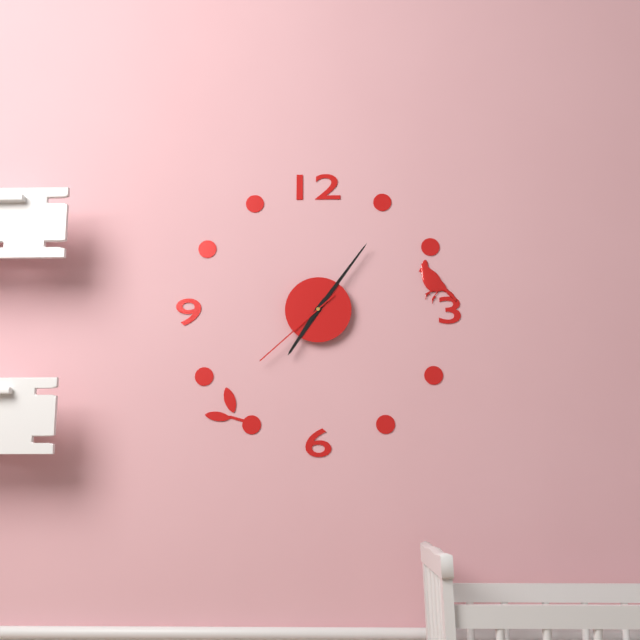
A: 7:06:38
